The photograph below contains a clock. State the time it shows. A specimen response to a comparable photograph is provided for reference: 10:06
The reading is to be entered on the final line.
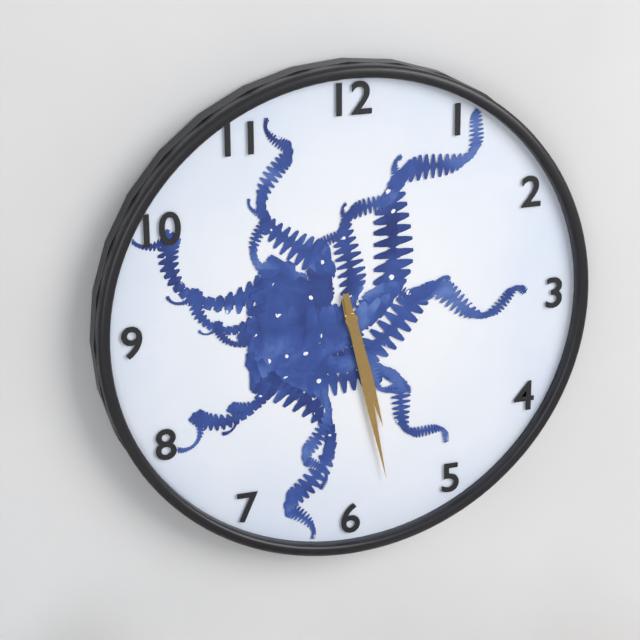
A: 5:28
